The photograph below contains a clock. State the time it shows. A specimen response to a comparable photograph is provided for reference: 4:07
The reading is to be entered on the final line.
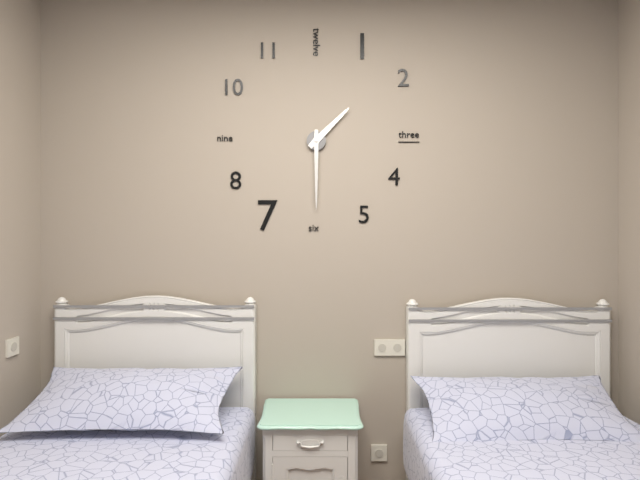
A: 1:30
